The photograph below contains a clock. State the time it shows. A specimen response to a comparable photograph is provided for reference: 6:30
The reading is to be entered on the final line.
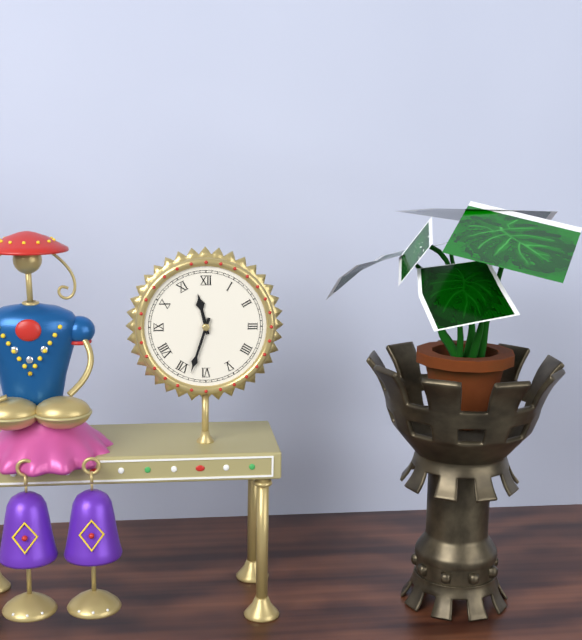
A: 11:33
